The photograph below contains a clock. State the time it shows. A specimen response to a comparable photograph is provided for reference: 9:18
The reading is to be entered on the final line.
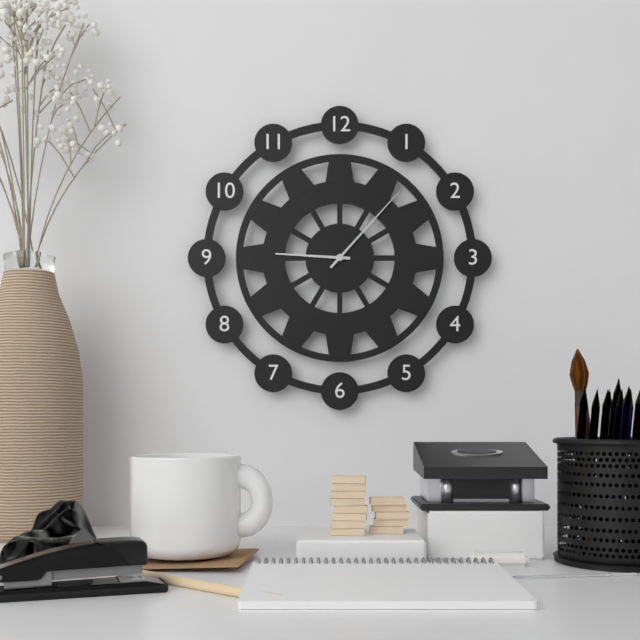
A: 9:07
